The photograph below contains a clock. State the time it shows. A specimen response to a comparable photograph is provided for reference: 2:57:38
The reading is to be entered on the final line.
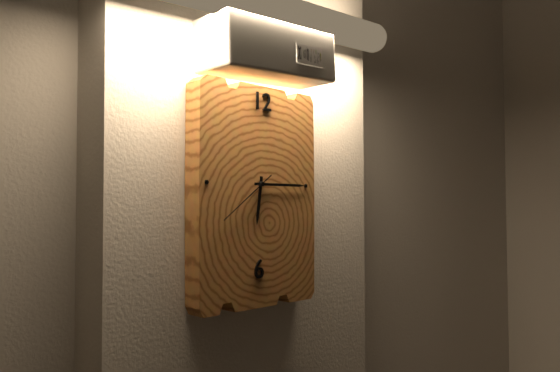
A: 6:15:39
